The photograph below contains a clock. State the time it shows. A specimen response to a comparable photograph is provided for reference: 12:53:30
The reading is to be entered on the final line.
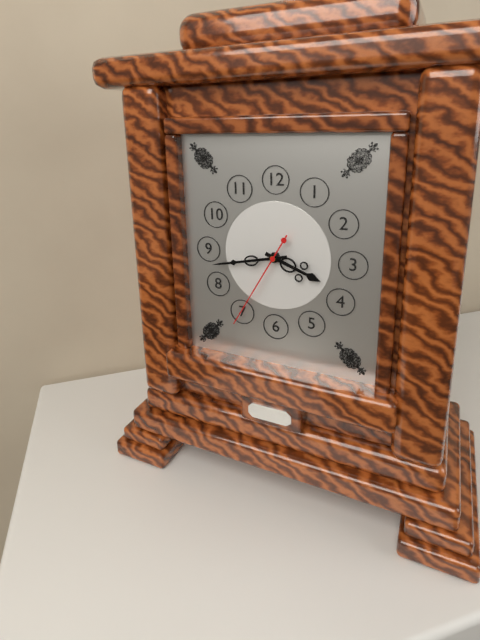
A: 3:43:35
